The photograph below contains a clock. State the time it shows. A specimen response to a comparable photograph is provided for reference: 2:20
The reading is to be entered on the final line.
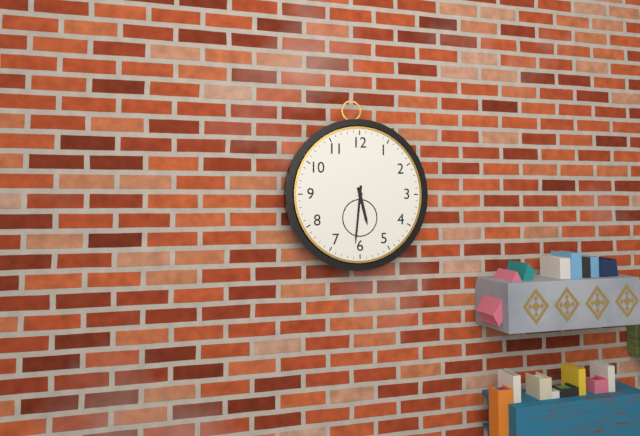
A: 5:31
